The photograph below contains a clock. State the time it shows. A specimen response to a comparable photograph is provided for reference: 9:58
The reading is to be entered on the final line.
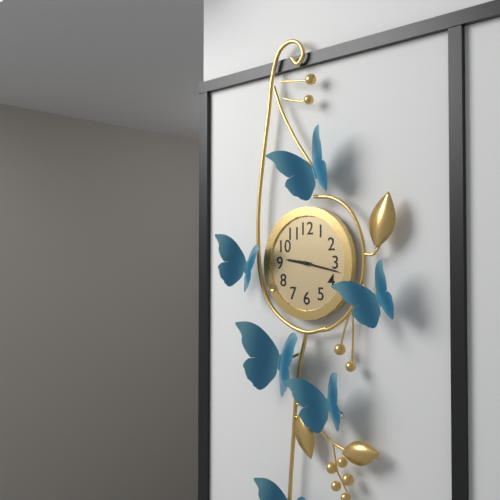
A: 9:17
